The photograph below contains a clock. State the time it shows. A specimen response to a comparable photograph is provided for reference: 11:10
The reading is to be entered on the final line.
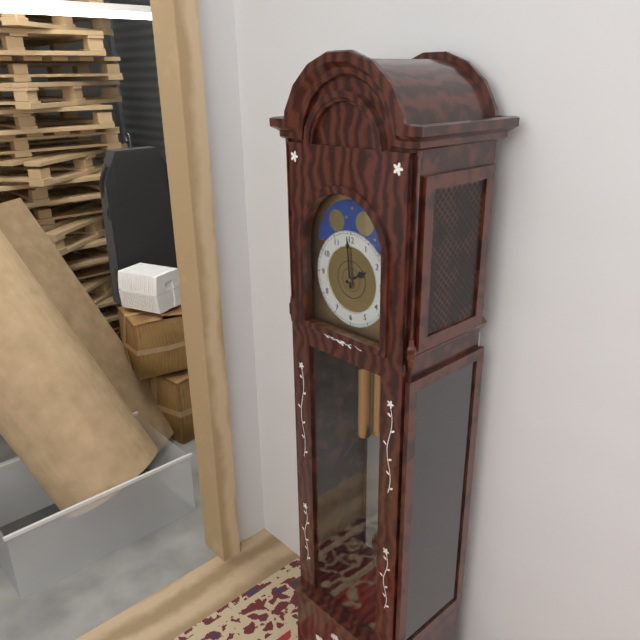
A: 1:59
